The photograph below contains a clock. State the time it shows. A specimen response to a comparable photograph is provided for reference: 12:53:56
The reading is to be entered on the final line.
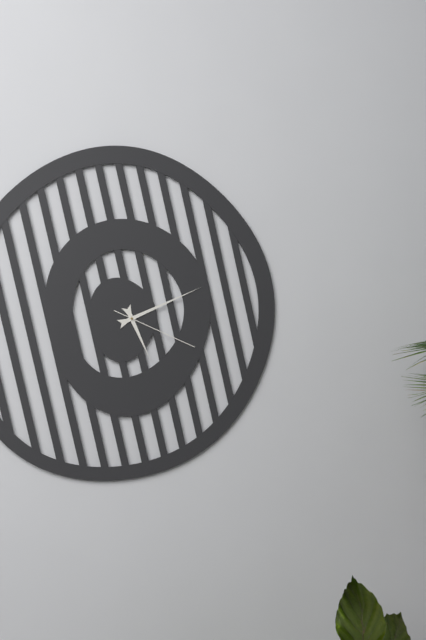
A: 5:11:19
